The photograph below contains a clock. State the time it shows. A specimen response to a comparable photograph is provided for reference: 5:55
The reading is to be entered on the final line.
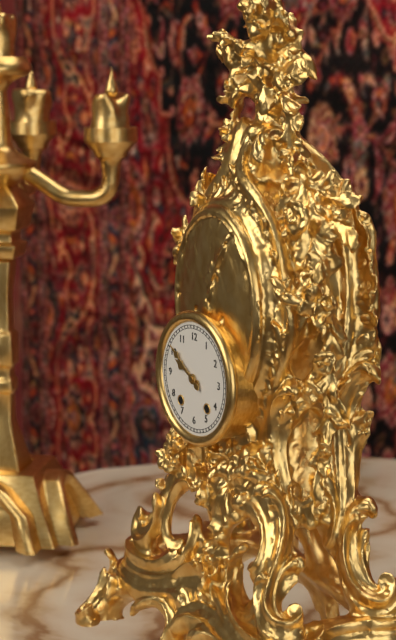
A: 9:51
